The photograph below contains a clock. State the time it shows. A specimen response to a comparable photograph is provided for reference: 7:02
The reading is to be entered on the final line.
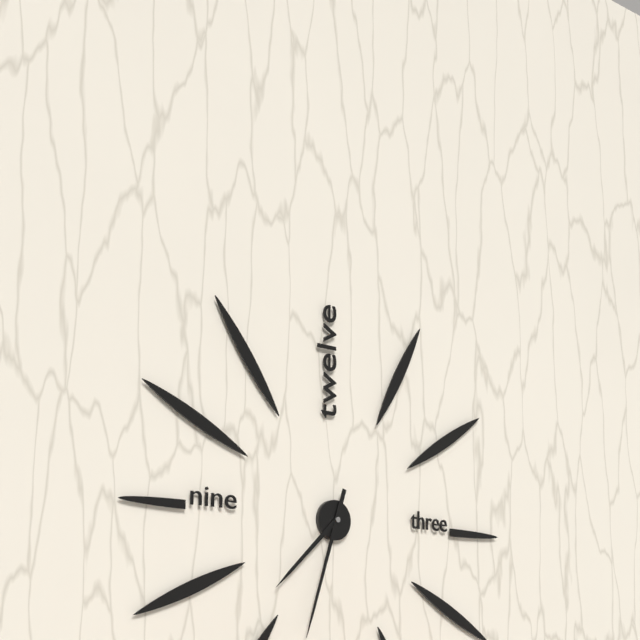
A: 7:33
